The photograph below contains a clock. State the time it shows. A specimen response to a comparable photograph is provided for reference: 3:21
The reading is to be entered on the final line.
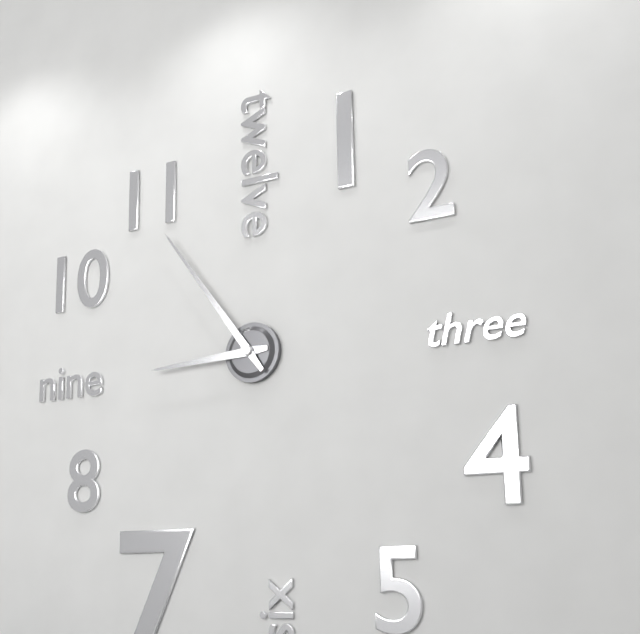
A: 8:54
